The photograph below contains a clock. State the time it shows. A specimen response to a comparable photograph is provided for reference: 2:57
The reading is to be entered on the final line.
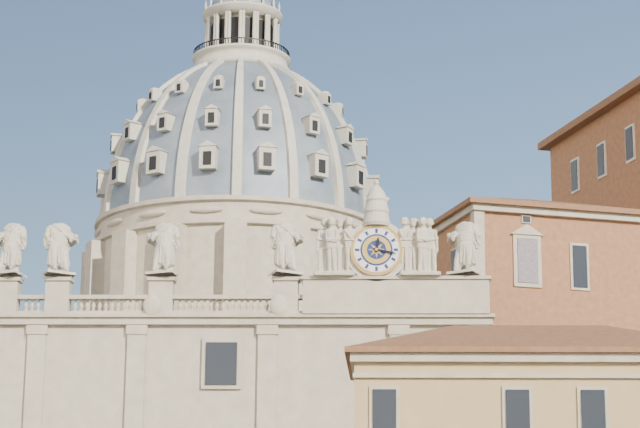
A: 12:17
